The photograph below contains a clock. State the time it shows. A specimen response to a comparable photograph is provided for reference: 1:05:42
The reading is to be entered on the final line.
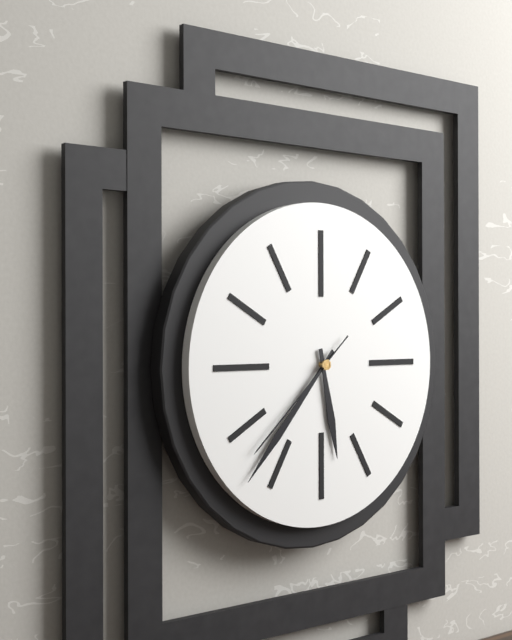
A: 5:37:38
